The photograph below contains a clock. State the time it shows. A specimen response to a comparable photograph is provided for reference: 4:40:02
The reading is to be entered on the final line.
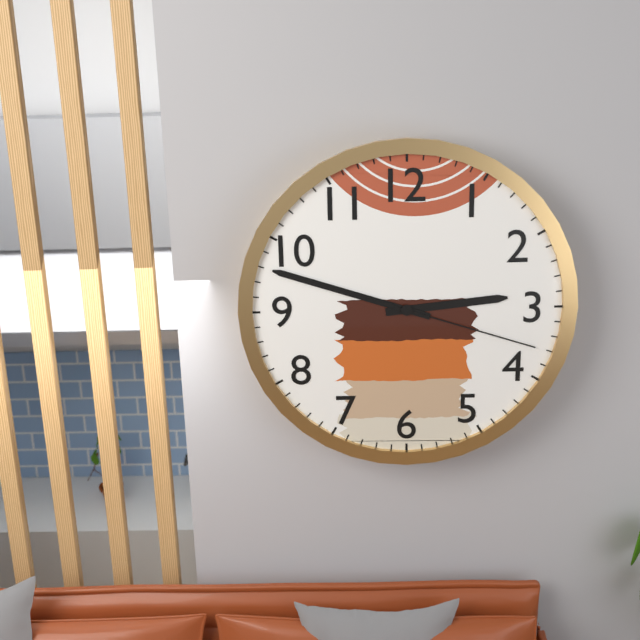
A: 2:48:18
